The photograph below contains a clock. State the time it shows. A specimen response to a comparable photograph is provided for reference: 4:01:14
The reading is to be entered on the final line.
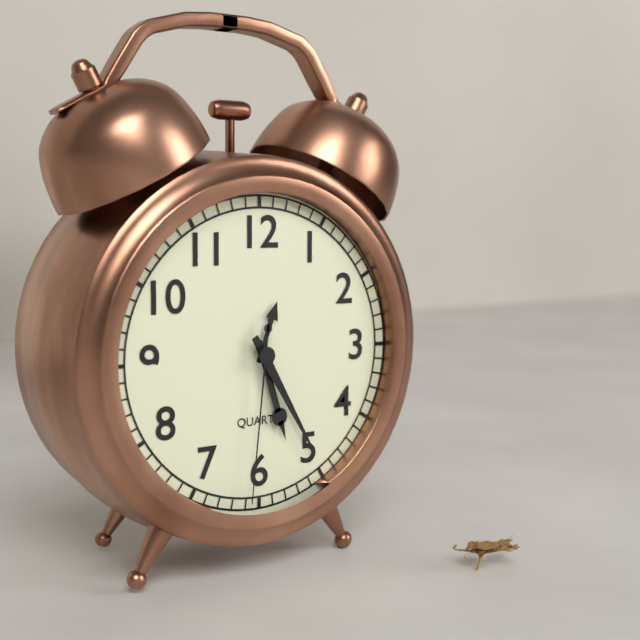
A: 5:25:31
